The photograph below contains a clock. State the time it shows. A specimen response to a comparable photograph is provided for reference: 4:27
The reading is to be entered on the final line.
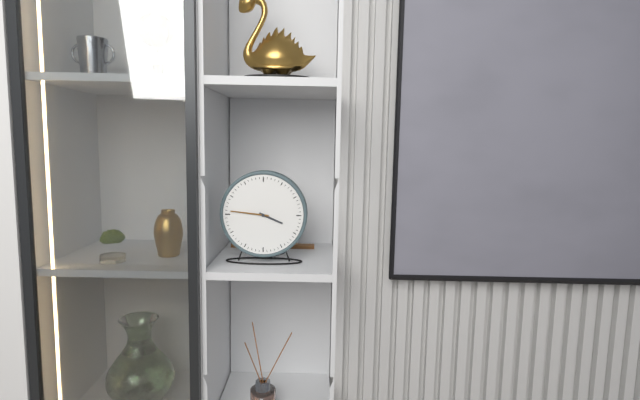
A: 3:46
